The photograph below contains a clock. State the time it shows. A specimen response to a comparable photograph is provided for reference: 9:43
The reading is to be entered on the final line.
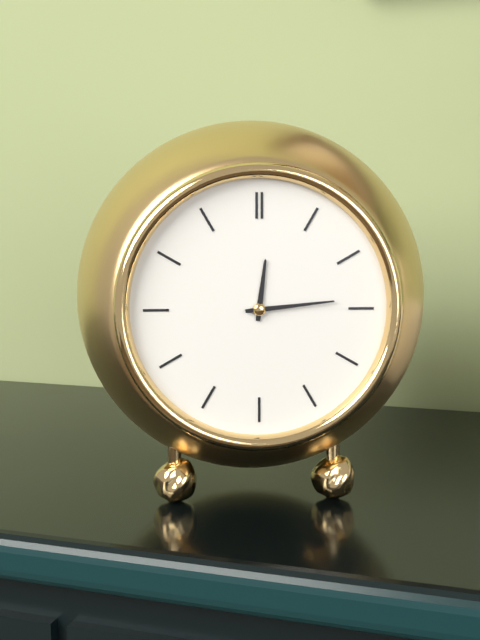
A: 12:14
